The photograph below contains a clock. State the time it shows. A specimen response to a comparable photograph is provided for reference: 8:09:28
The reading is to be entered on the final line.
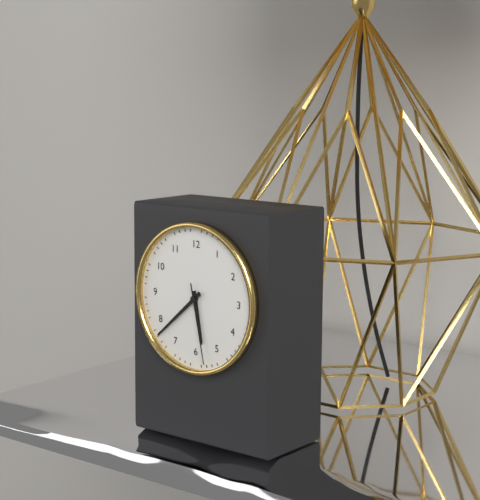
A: 5:38:28
